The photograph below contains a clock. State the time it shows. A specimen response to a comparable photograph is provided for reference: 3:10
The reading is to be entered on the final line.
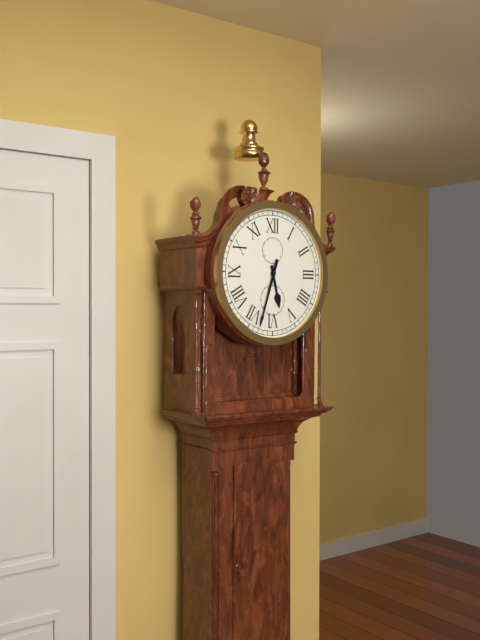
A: 5:33
